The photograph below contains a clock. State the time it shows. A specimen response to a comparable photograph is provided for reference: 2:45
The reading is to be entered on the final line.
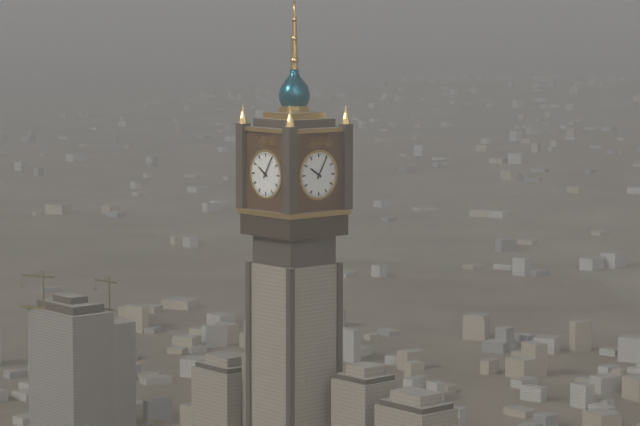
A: 10:05
